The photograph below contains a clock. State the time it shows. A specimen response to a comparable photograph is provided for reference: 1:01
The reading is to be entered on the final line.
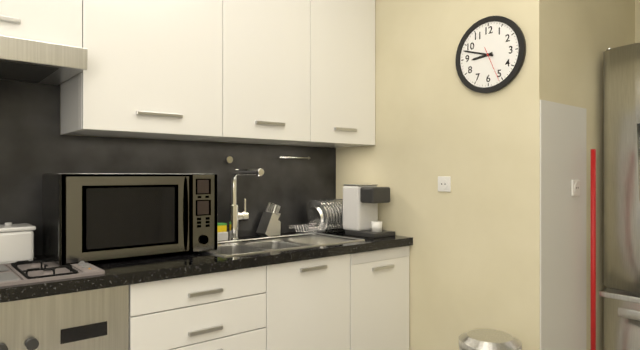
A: 8:48
